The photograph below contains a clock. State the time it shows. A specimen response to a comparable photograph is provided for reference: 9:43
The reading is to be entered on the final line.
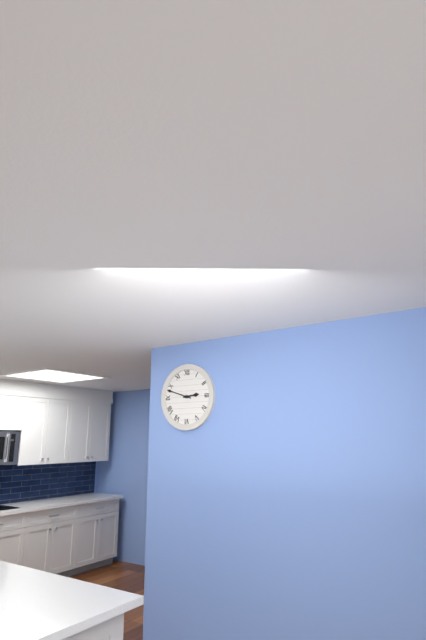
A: 2:48
